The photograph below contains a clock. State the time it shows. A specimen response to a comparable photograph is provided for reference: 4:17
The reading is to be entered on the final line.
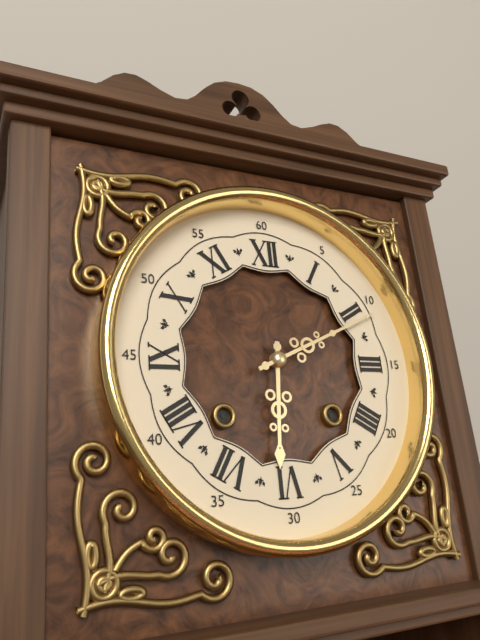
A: 6:11
